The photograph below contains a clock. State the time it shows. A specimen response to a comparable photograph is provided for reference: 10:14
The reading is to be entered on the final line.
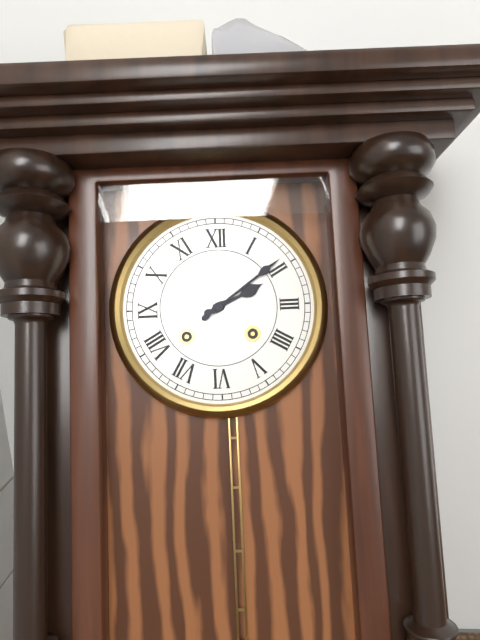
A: 2:09
